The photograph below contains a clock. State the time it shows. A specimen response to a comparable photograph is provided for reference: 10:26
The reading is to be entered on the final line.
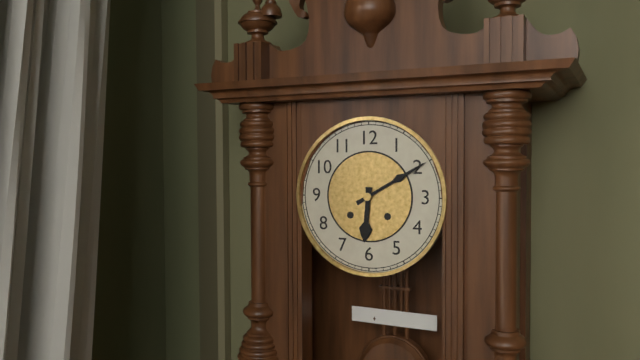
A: 6:10
